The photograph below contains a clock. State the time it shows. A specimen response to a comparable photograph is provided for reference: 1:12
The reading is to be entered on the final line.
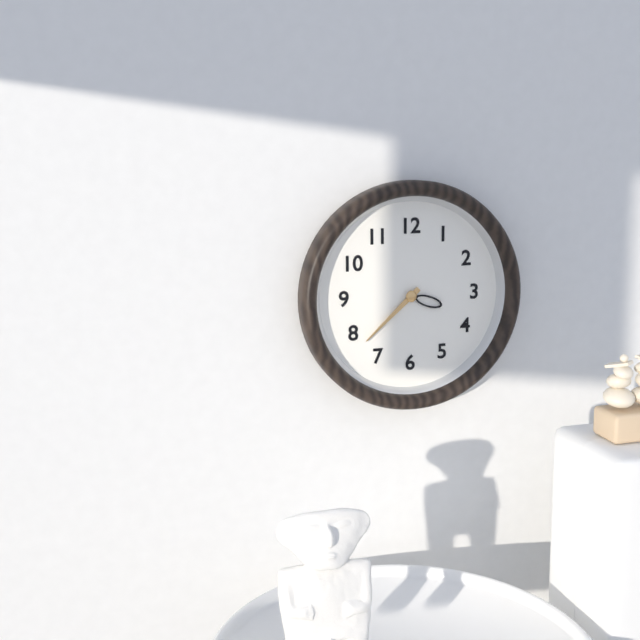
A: 3:38
